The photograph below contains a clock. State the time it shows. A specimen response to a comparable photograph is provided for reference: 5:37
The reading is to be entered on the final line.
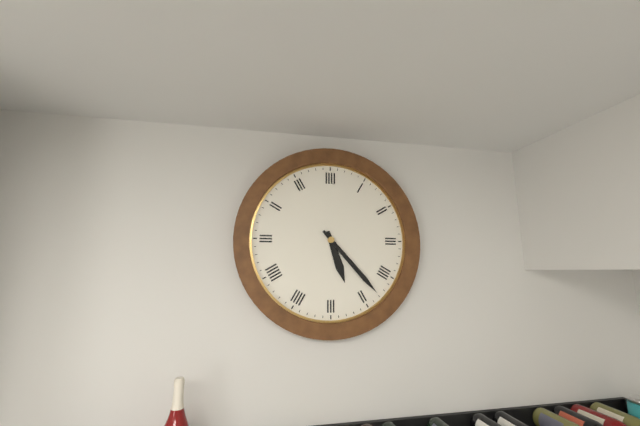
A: 5:23
